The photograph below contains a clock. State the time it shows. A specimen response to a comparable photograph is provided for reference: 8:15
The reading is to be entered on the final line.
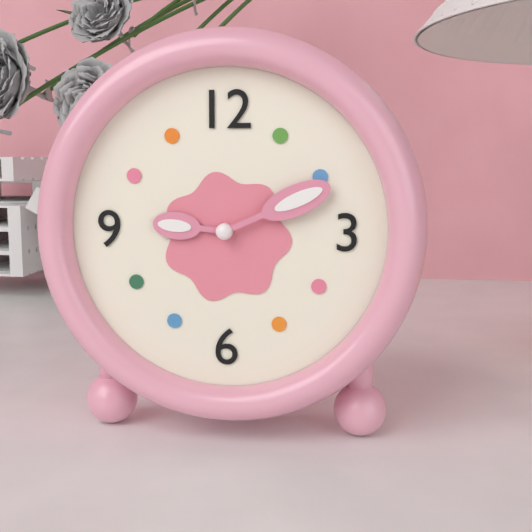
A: 9:11
